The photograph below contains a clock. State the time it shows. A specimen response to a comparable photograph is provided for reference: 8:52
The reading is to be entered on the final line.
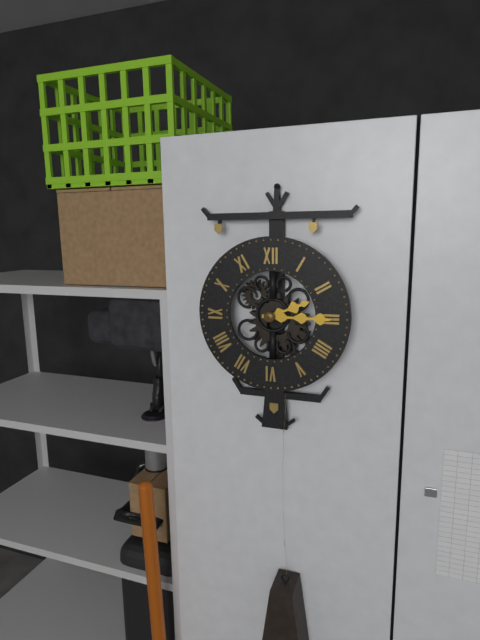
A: 2:15
